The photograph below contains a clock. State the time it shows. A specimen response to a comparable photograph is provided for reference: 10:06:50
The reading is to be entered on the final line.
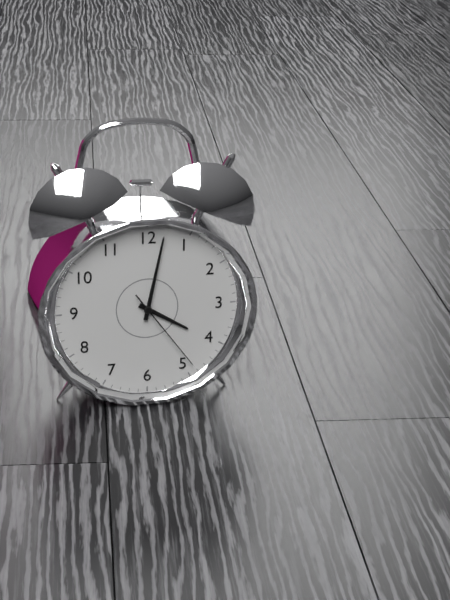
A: 4:02:24
